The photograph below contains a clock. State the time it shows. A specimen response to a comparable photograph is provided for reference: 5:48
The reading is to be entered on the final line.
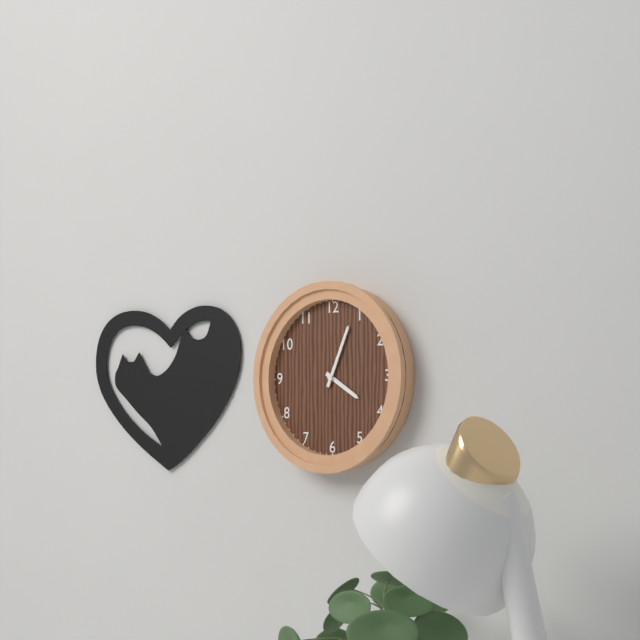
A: 4:04
